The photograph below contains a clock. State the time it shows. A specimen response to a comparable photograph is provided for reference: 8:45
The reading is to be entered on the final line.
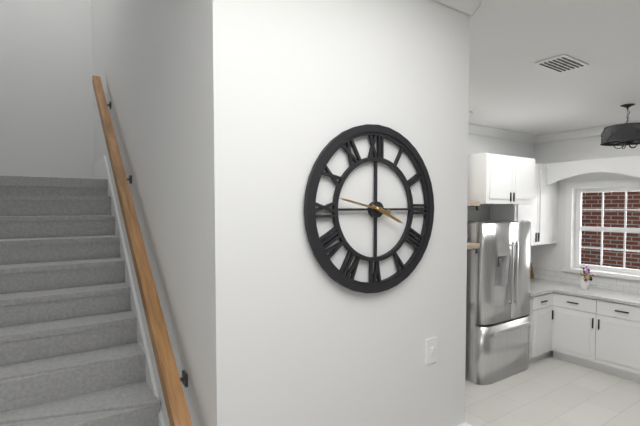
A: 3:47
